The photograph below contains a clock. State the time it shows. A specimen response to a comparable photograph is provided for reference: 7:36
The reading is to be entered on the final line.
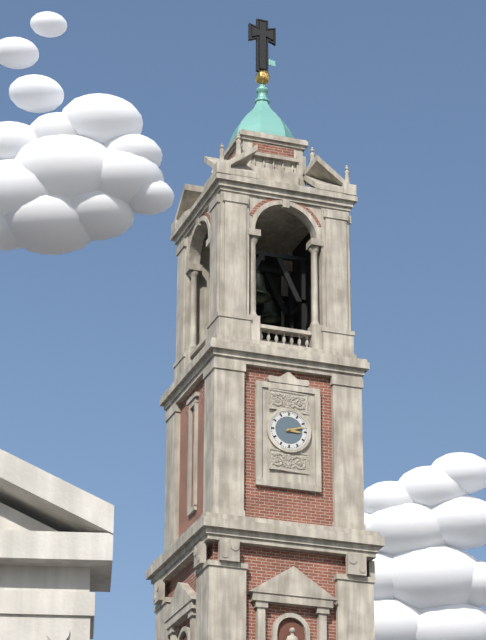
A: 3:12
